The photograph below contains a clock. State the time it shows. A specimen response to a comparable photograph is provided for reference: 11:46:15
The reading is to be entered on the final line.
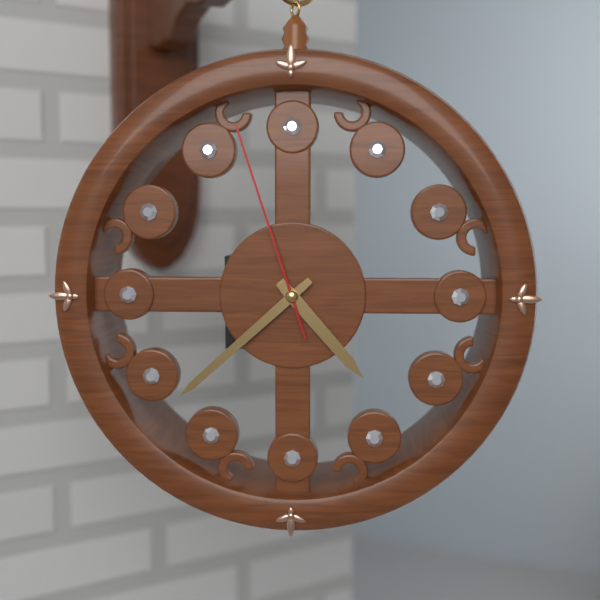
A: 4:38:57
